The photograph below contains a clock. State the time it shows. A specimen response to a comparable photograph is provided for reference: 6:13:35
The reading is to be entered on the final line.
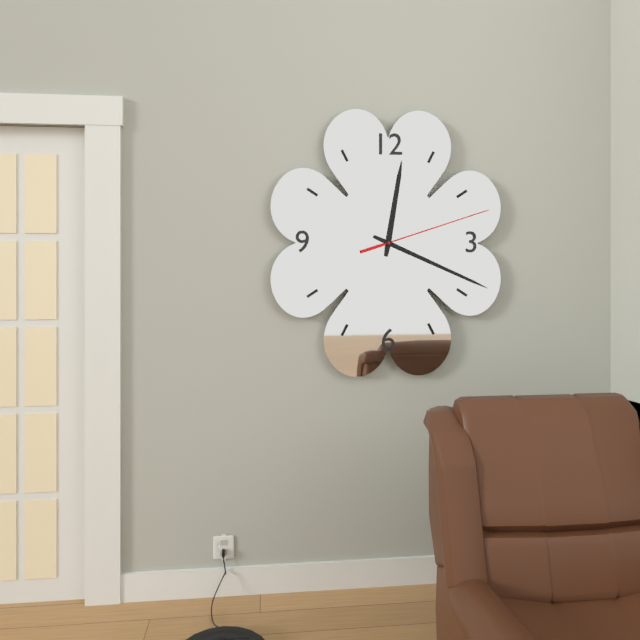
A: 12:19:12
